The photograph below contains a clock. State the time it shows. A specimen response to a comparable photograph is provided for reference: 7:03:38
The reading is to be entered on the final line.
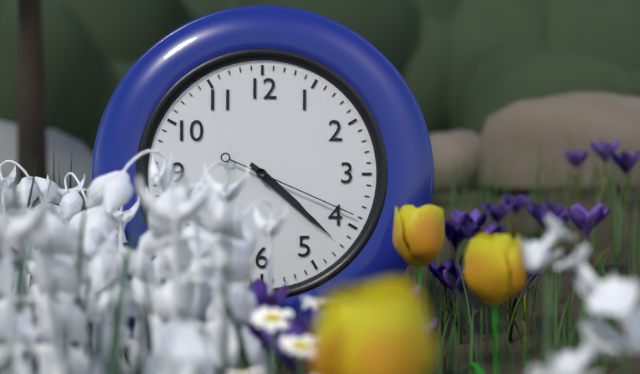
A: 4:22:19
